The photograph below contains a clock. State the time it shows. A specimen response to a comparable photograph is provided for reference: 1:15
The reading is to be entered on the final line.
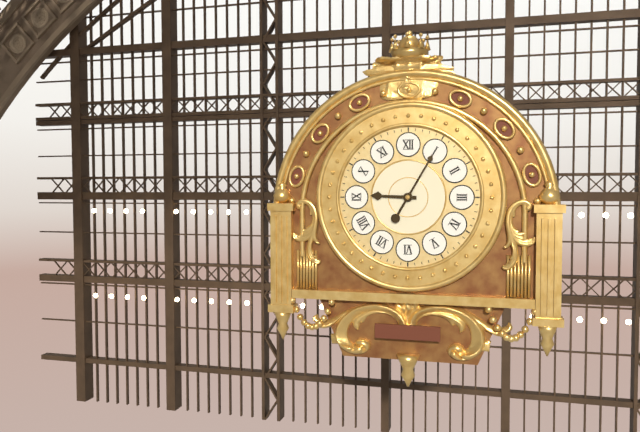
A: 9:05
